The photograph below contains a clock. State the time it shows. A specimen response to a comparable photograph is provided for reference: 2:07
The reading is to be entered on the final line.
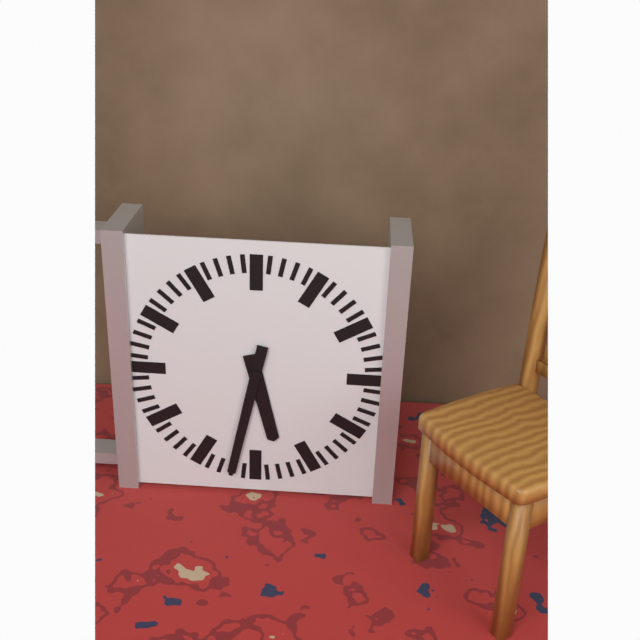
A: 5:32
